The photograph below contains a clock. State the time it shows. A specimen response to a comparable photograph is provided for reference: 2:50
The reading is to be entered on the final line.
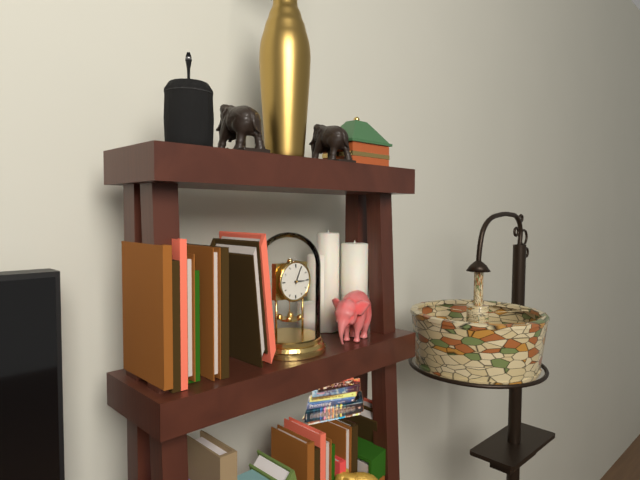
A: 3:04
